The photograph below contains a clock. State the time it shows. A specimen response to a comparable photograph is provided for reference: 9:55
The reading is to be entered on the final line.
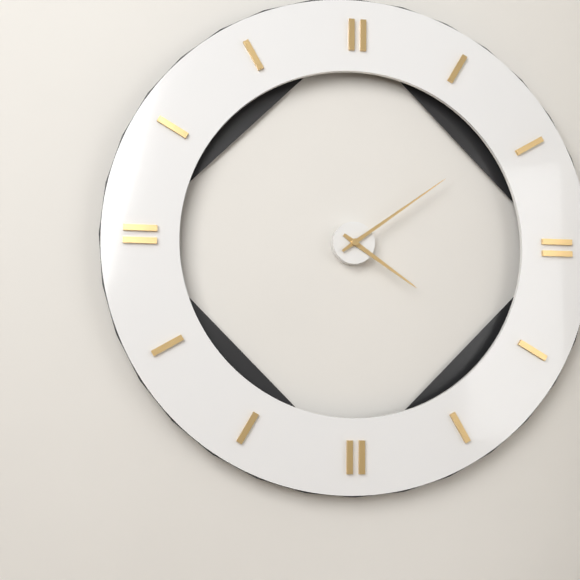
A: 4:09
